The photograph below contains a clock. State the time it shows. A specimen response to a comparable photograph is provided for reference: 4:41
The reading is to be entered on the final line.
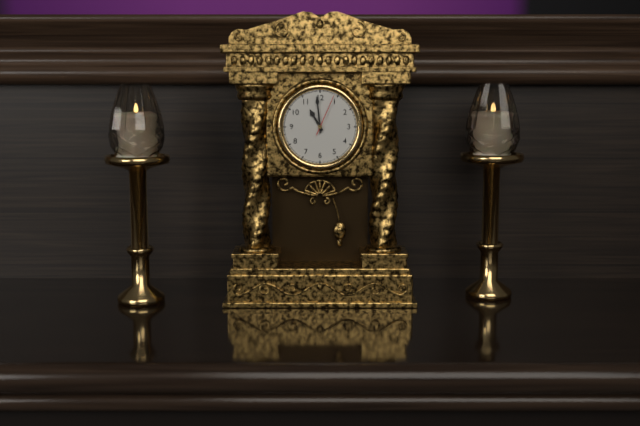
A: 10:59
